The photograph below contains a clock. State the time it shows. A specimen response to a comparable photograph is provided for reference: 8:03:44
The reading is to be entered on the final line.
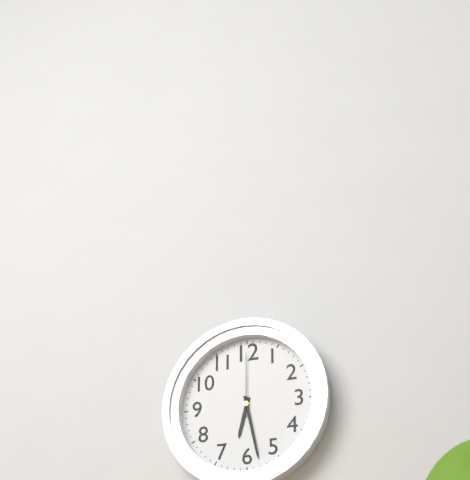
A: 6:28:00
